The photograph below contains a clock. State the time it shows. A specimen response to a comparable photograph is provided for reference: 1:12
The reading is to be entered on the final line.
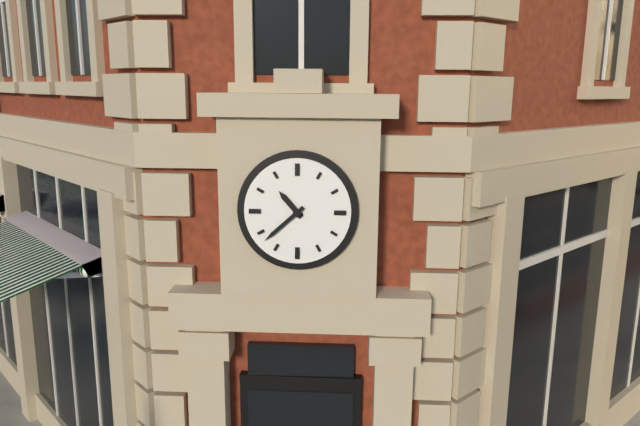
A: 10:38
